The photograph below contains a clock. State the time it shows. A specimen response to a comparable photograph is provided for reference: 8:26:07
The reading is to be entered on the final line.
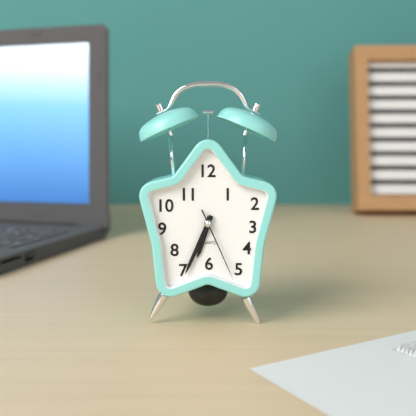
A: 6:34:26
